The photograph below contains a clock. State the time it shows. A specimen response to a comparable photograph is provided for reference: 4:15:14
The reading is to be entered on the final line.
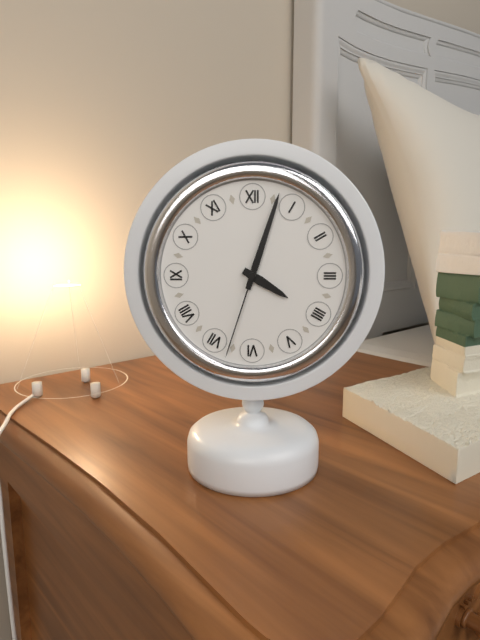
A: 4:03:33
